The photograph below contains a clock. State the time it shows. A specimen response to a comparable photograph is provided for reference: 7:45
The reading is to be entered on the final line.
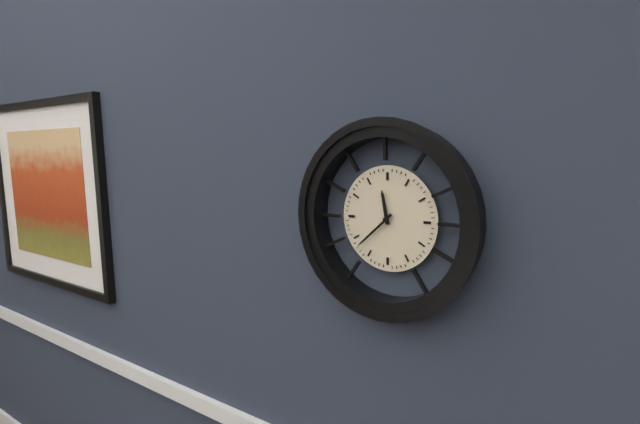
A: 11:38
